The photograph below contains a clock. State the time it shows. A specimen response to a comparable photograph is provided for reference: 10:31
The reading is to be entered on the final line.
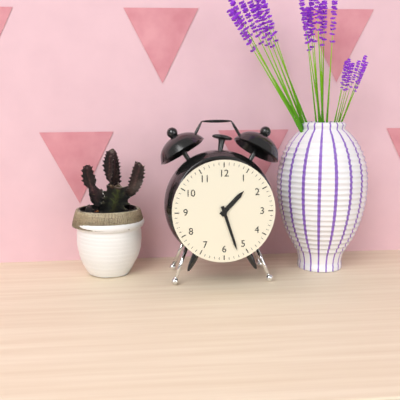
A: 1:27
